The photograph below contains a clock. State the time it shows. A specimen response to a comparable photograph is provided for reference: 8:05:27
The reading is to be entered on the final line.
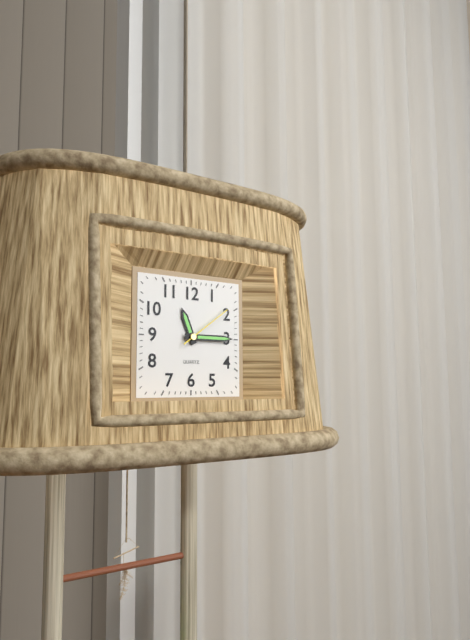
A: 11:15:09
